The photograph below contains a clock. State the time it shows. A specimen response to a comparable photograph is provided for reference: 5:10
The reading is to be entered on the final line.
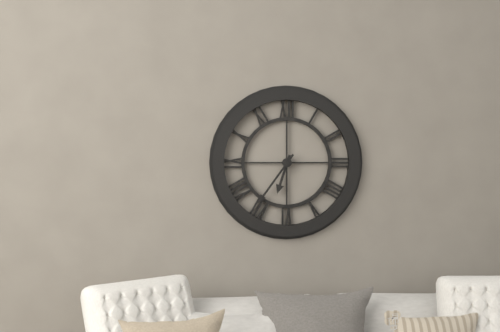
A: 6:36
